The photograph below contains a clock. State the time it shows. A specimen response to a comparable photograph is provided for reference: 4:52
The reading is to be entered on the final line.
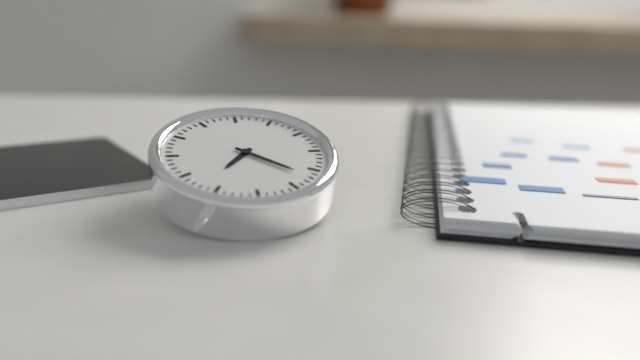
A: 7:22
